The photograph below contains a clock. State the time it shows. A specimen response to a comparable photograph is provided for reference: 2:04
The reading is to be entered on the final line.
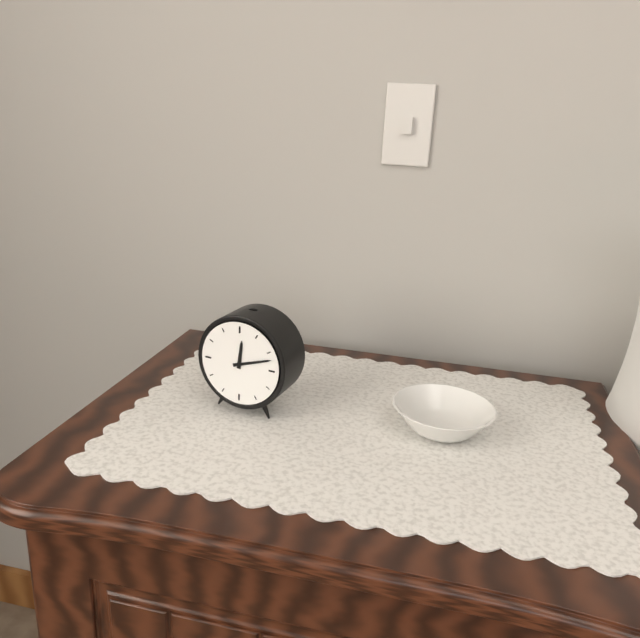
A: 12:12
